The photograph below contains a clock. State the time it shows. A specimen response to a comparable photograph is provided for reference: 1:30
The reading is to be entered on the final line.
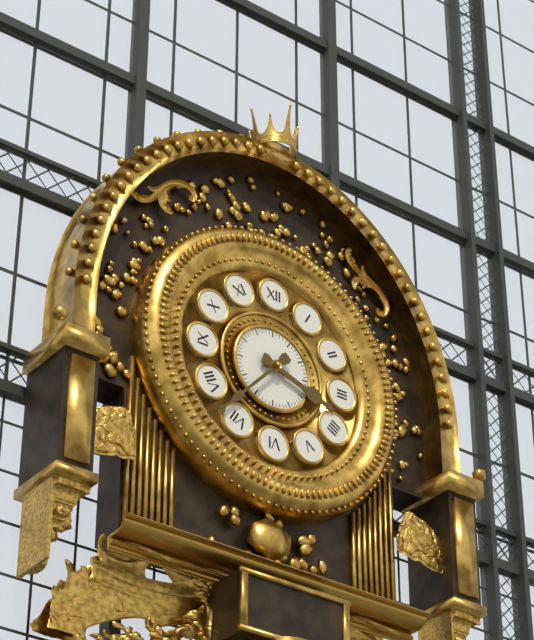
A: 3:37
